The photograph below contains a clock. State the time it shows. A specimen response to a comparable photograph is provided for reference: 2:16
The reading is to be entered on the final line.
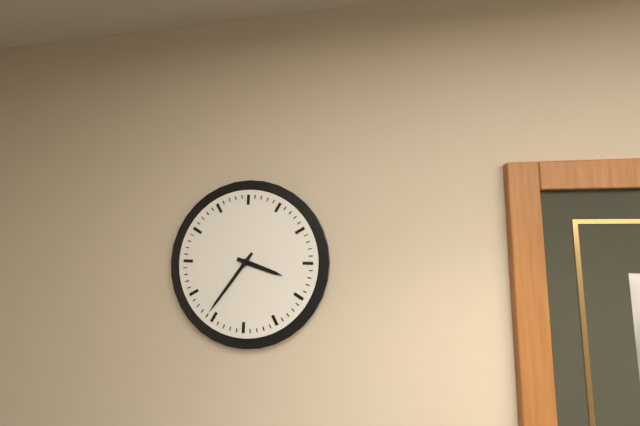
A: 3:36
